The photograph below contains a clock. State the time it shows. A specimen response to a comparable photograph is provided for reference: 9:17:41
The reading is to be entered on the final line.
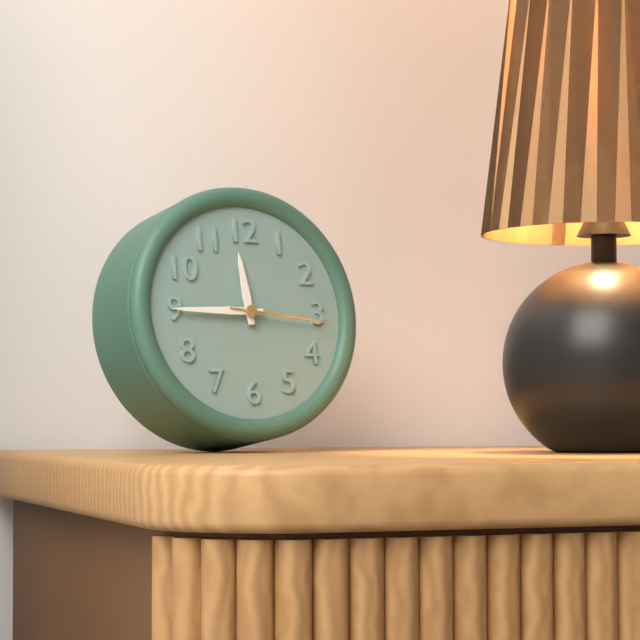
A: 11:45:16
